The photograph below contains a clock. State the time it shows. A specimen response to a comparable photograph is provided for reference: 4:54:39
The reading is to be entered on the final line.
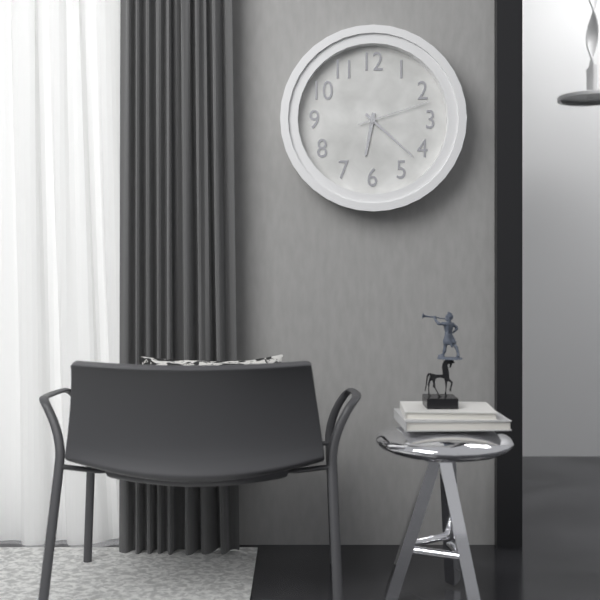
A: 6:22:12
